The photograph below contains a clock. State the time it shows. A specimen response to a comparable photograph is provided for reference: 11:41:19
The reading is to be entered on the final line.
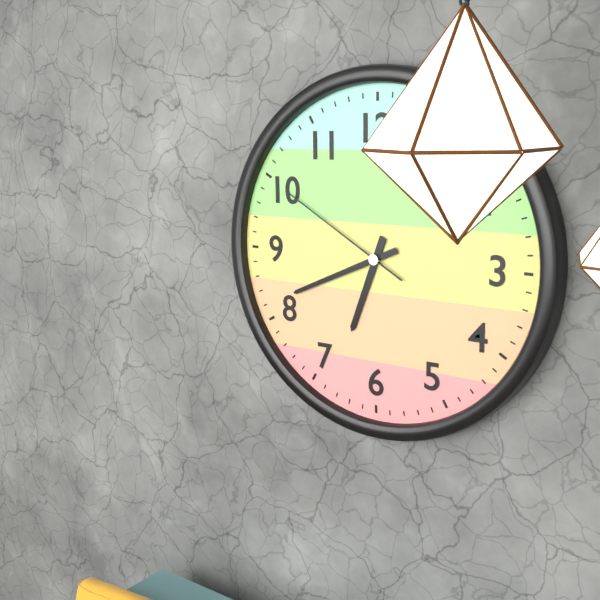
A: 6:41:50
